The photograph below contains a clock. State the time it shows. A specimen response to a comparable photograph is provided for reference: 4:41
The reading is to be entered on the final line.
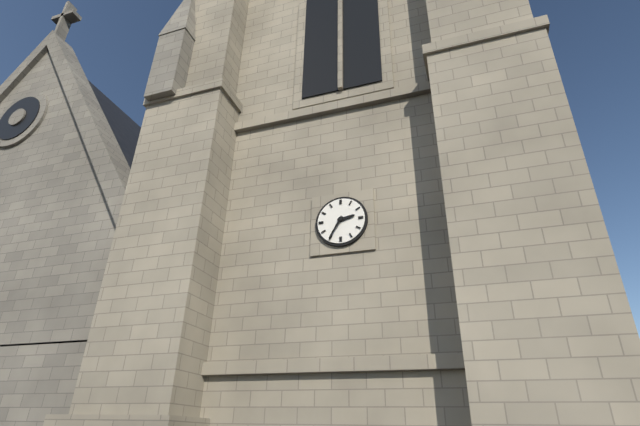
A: 2:35
